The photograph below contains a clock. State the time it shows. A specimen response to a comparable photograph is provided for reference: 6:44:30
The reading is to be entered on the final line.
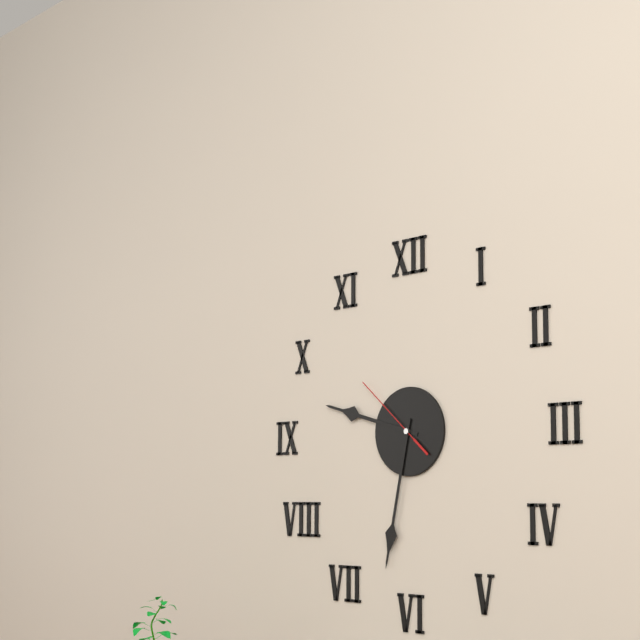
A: 9:32:52
